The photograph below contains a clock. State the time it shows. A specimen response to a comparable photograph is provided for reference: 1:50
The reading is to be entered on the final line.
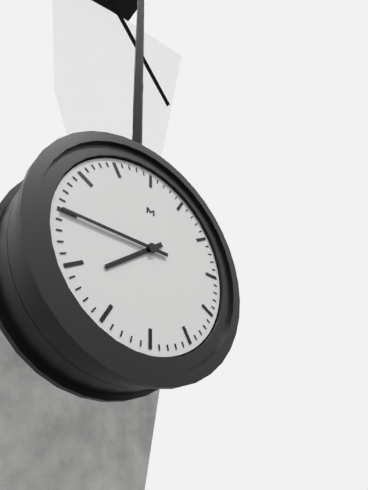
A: 7:45
